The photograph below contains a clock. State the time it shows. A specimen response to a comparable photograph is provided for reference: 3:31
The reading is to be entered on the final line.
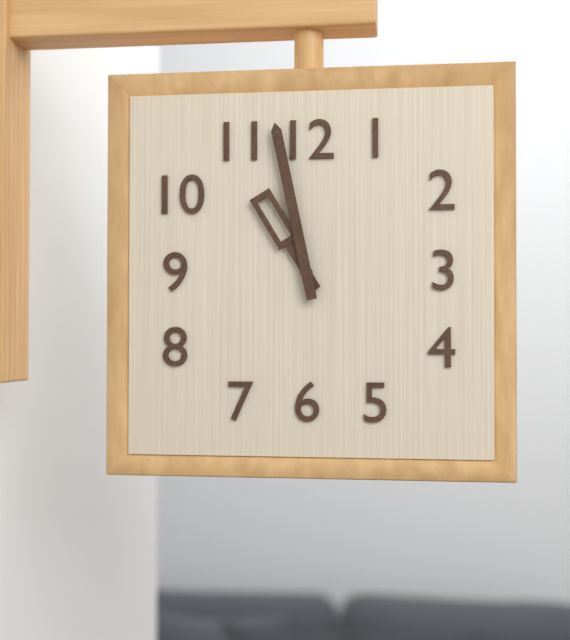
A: 10:58
